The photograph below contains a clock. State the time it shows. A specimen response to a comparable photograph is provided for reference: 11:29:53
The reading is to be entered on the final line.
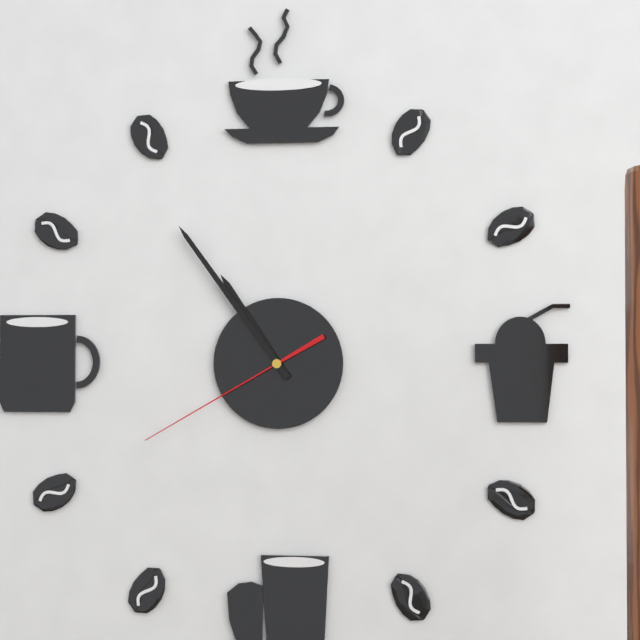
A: 10:54:40
